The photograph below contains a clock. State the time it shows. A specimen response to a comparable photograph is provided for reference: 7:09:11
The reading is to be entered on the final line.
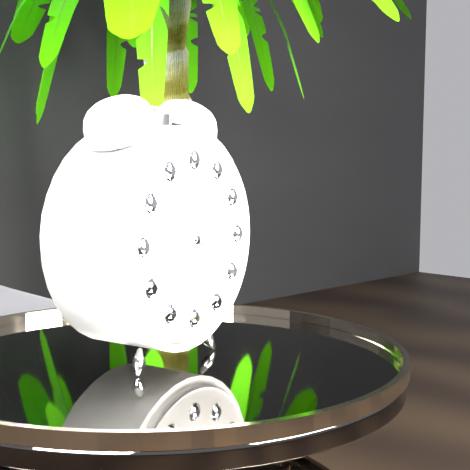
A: 5:17:37
